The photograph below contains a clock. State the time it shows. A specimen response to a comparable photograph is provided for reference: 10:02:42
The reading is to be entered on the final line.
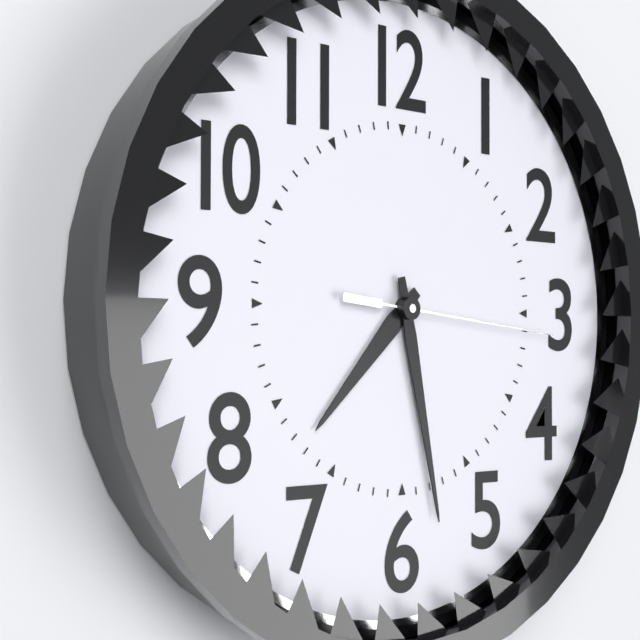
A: 7:28:16
